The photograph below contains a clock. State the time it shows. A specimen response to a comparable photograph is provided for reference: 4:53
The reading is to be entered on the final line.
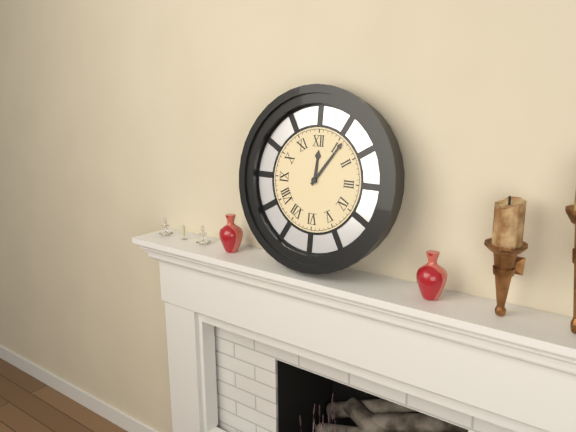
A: 12:06
